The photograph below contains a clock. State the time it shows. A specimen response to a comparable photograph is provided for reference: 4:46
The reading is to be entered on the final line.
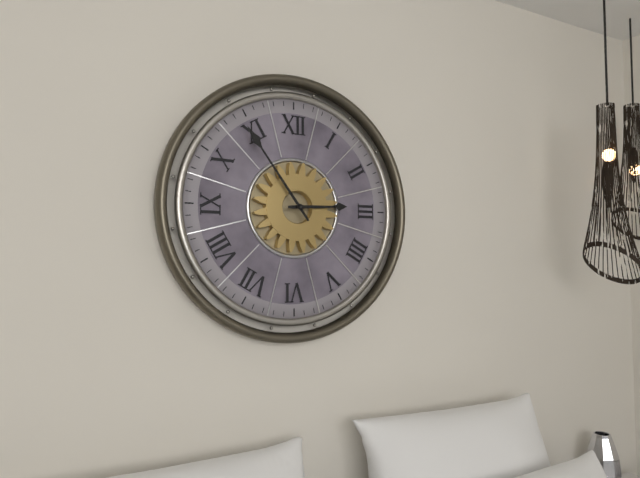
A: 2:54
